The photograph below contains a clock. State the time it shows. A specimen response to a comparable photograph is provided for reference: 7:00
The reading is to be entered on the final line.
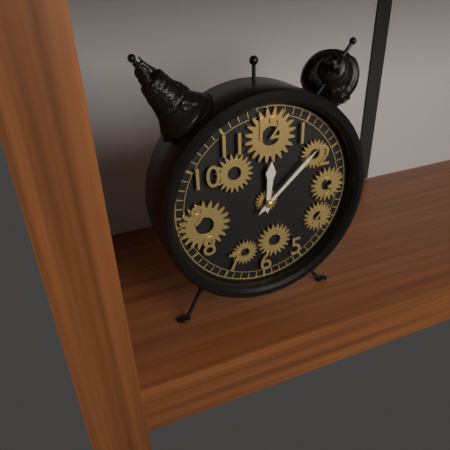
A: 12:08
